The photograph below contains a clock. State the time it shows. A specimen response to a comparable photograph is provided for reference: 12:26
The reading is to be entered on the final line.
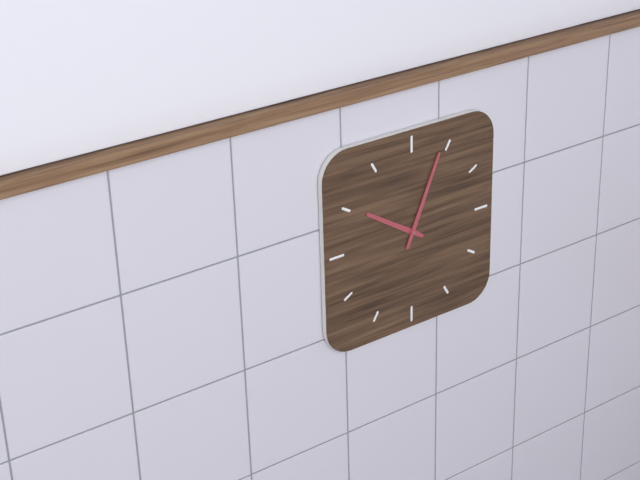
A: 10:04
